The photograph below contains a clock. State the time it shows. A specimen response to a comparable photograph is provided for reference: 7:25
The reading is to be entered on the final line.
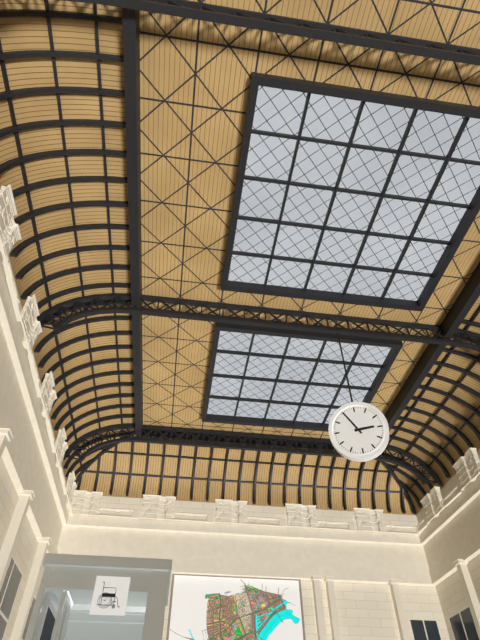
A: 2:55
